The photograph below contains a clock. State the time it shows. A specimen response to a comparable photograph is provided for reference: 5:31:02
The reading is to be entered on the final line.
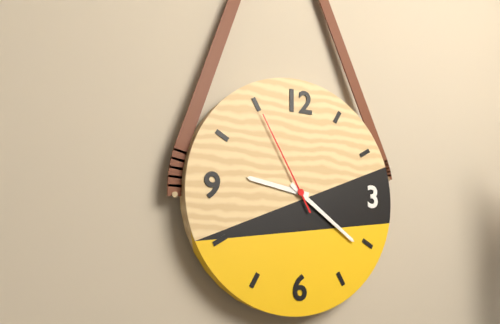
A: 9:21:55
